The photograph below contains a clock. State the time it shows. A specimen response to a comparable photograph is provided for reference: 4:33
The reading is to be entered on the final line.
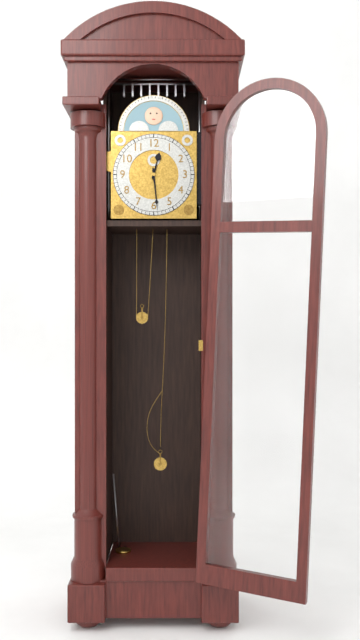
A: 12:29
